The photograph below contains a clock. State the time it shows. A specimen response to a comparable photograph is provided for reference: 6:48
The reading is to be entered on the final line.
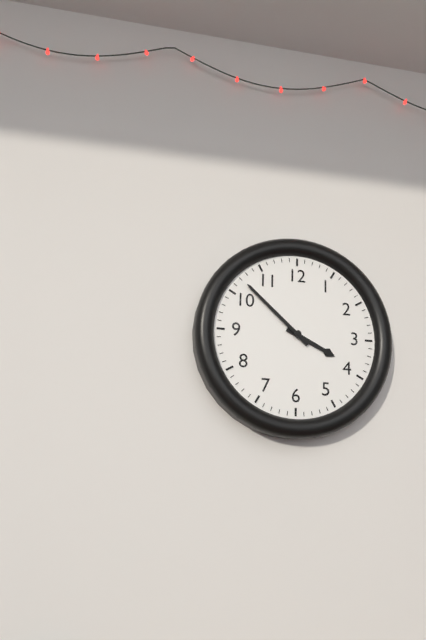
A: 3:52
